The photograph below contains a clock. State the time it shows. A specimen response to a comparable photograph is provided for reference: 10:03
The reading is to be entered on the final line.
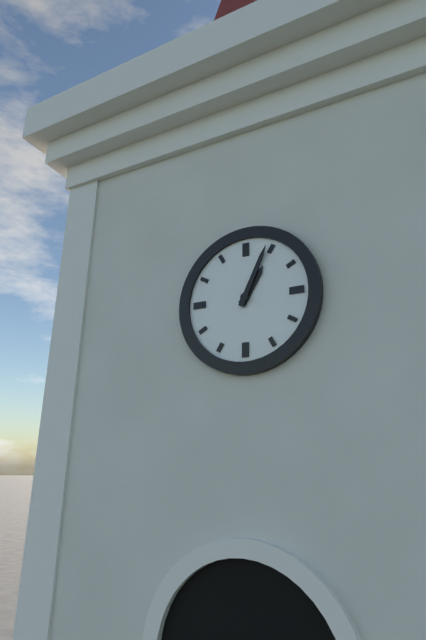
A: 1:04
